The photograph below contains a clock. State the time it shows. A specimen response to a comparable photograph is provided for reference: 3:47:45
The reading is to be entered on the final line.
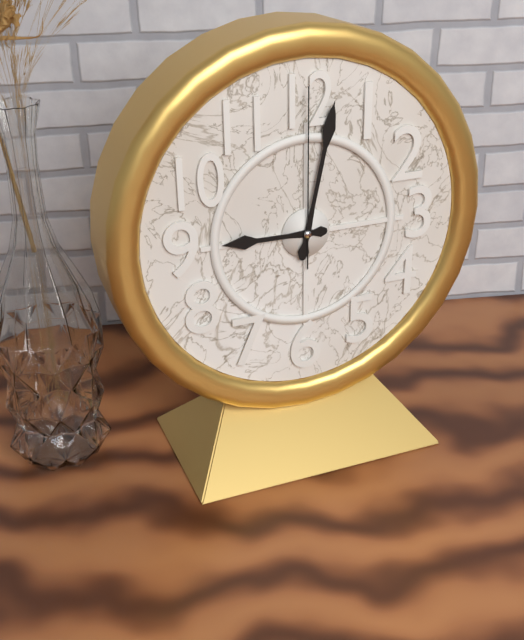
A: 9:02:00
